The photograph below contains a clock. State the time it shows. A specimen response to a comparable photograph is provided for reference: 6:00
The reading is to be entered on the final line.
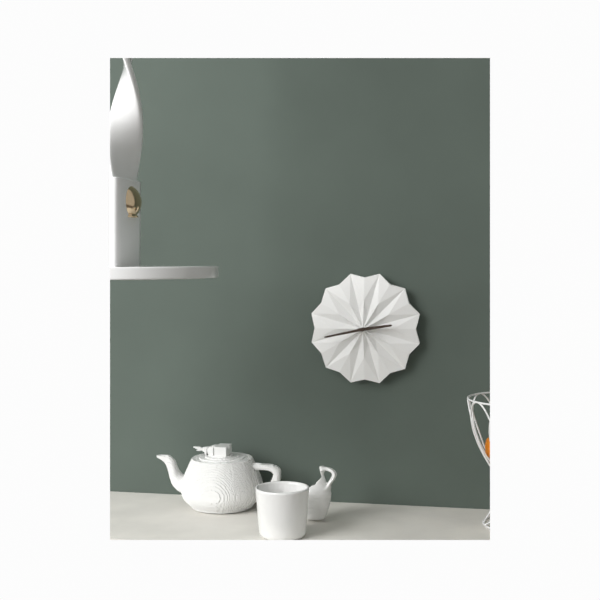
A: 2:43
